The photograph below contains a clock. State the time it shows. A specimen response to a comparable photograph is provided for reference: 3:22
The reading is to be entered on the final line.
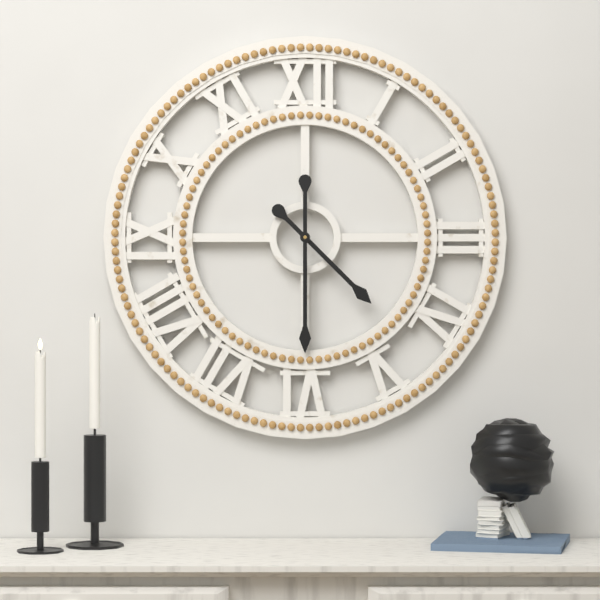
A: 4:30
